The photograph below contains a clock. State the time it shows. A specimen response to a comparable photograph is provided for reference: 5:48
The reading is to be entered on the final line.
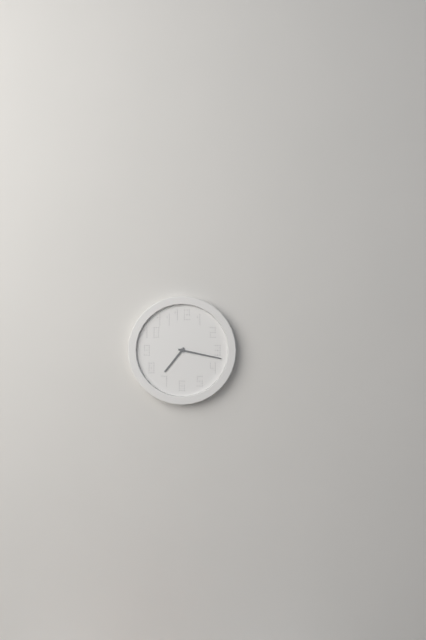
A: 7:17
